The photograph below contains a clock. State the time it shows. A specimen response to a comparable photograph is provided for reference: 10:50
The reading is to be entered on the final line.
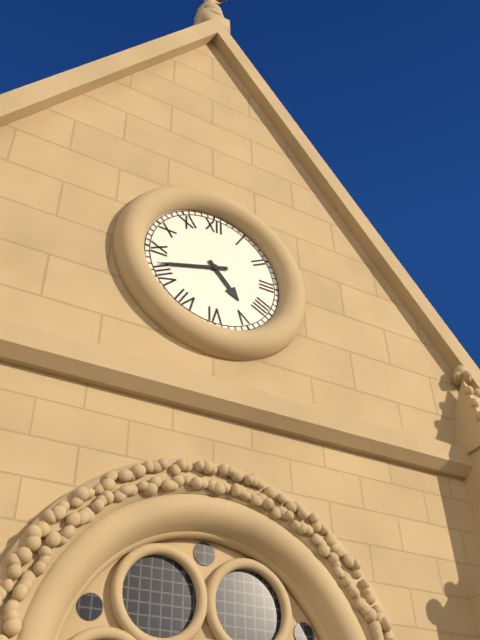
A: 4:42
